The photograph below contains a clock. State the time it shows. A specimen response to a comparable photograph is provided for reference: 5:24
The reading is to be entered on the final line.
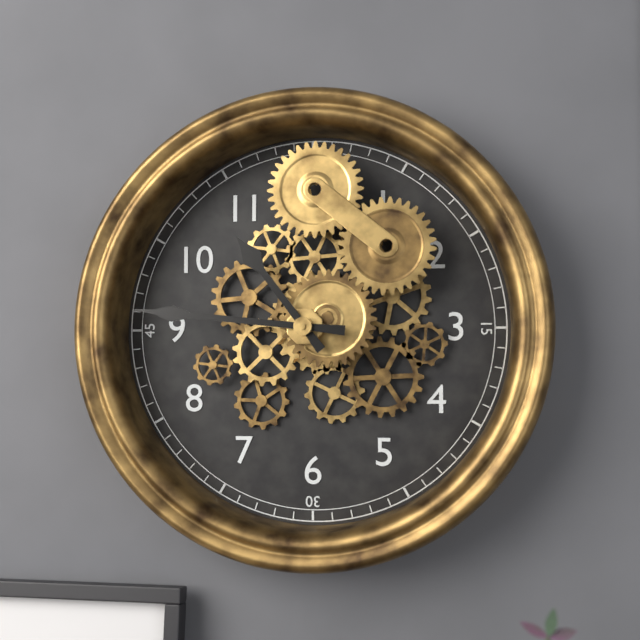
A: 10:46
